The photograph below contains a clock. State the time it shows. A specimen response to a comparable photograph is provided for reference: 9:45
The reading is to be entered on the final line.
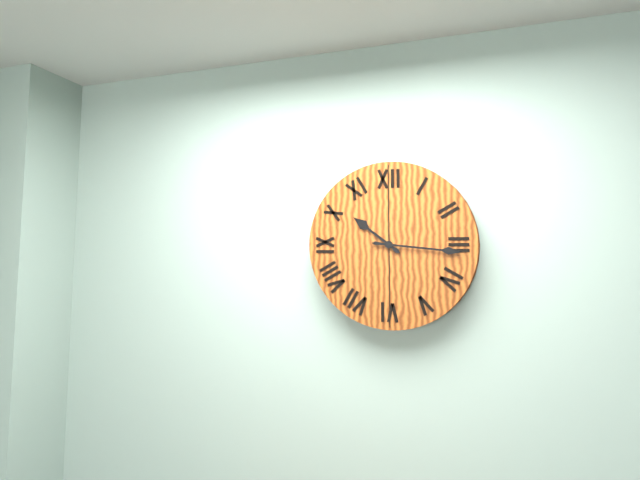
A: 10:16
